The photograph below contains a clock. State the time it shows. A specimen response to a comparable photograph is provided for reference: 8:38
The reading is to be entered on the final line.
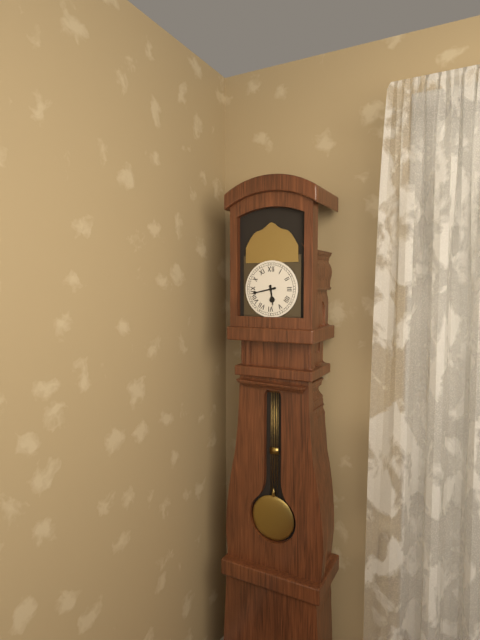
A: 5:43
